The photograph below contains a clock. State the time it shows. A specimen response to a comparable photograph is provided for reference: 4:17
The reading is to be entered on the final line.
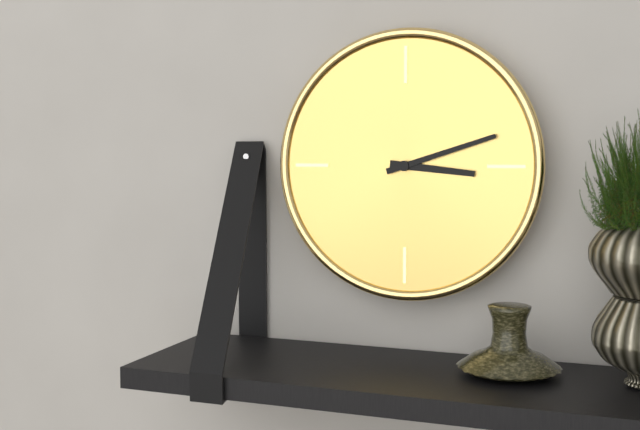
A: 3:12
